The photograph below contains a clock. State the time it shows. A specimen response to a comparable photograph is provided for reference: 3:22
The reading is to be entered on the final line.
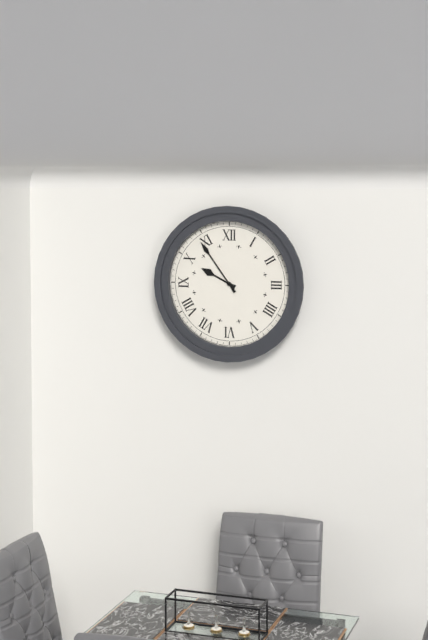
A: 9:54
